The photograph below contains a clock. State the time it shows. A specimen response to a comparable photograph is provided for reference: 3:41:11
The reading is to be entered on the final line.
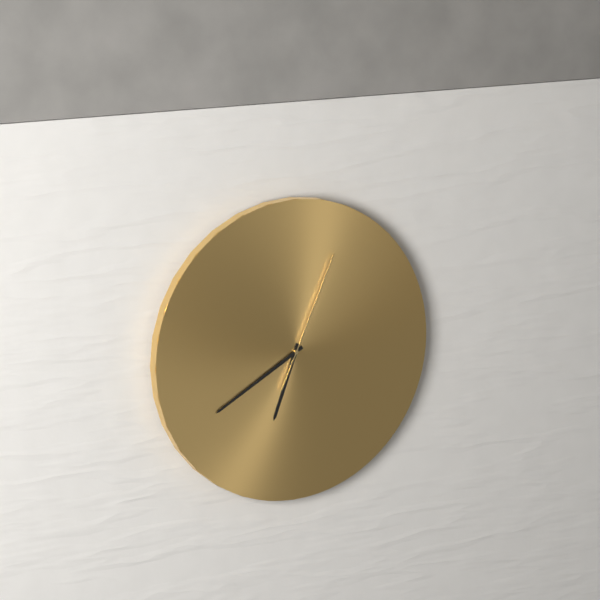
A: 6:40:04
